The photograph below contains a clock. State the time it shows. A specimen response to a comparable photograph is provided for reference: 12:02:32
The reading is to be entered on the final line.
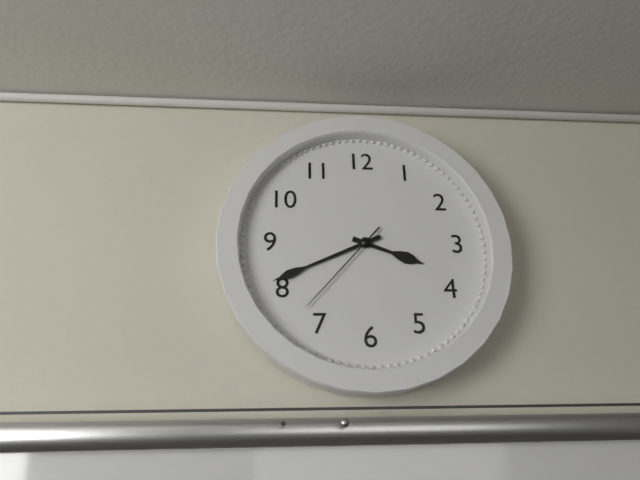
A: 3:41:37
